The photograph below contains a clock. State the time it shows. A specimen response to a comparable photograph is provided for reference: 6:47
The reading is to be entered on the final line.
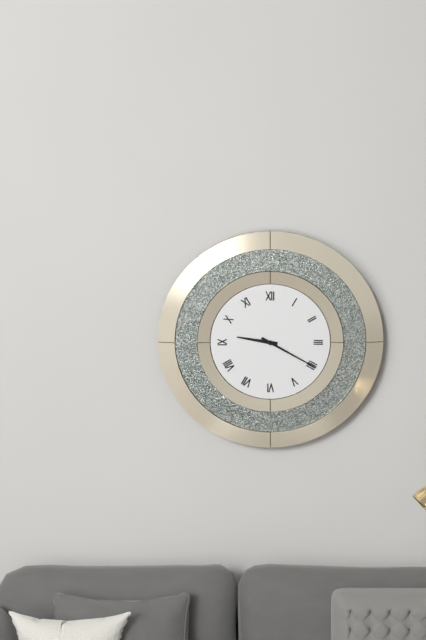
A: 9:20
